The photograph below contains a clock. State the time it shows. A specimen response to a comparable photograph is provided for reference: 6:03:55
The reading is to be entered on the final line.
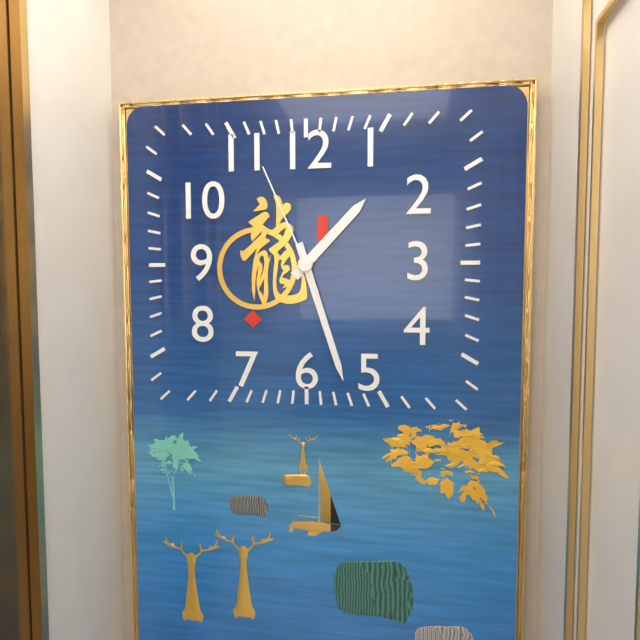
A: 1:27:56
